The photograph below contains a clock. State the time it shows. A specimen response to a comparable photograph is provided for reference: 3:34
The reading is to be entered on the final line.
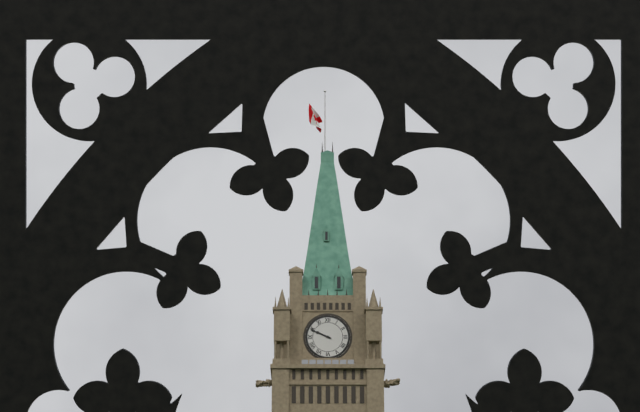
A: 9:49
